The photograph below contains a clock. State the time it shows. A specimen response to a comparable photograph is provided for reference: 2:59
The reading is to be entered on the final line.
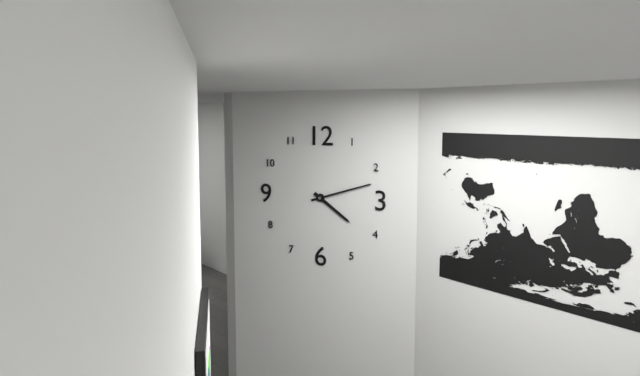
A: 4:12
